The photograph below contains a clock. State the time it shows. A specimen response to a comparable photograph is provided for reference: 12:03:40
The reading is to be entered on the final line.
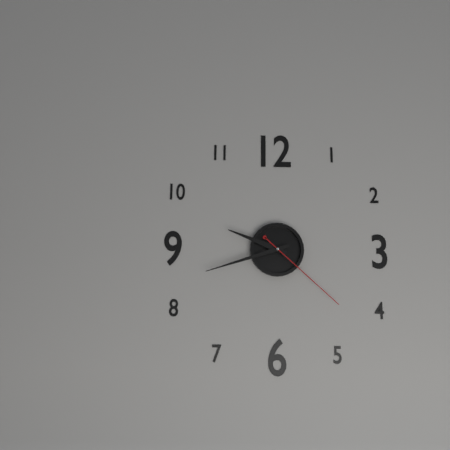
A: 9:42:22
